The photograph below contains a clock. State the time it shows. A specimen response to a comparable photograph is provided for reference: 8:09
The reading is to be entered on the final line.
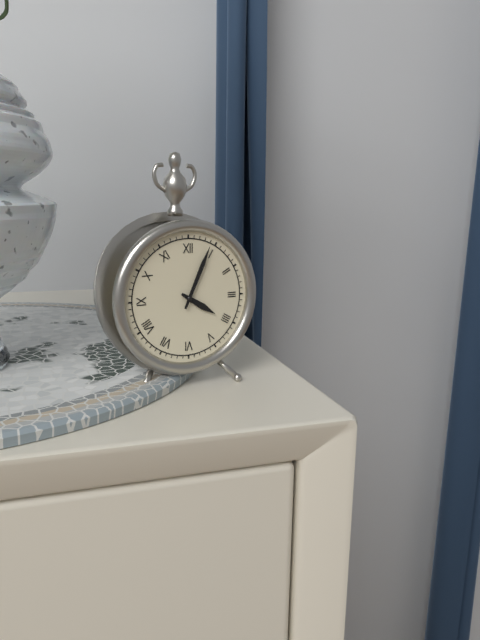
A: 4:04
